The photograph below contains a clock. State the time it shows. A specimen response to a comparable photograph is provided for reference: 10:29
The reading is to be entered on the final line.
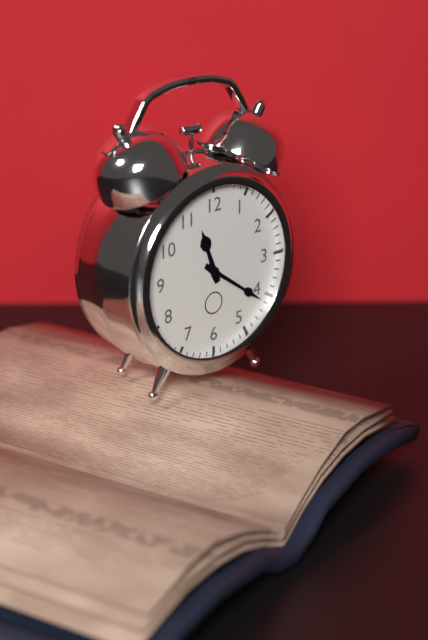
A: 11:21
